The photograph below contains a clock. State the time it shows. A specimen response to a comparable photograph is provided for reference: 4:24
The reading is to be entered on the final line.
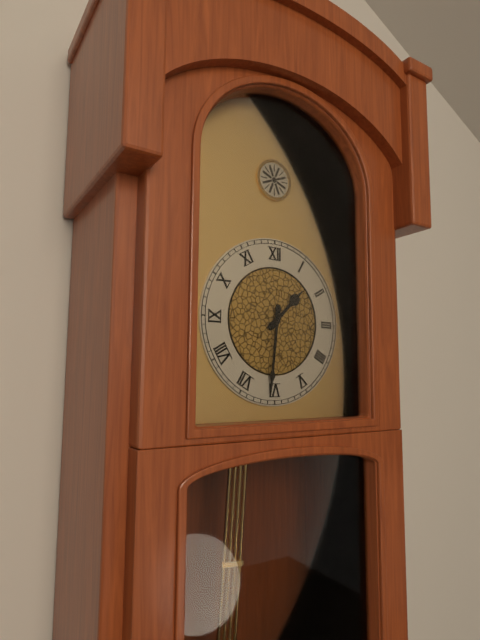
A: 1:31
